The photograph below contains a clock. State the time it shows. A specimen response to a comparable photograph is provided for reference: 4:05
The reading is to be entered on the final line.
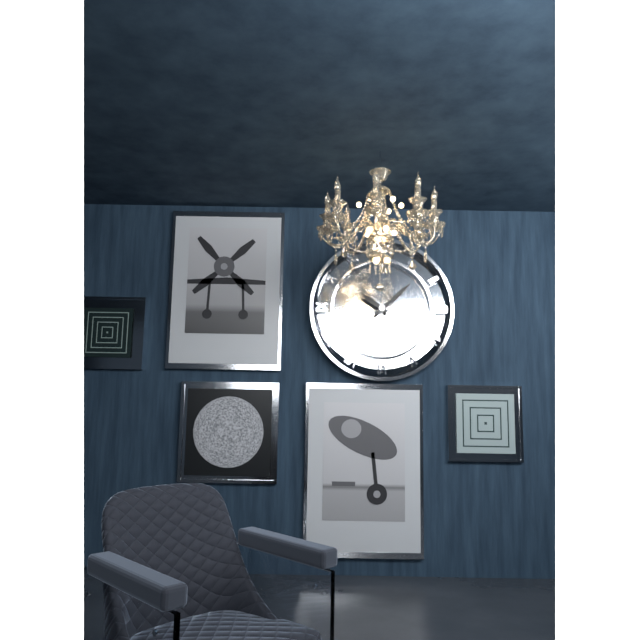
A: 10:08
